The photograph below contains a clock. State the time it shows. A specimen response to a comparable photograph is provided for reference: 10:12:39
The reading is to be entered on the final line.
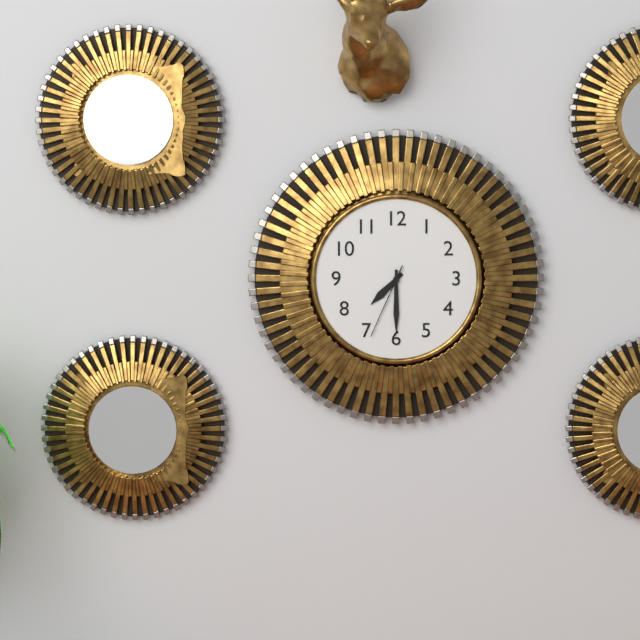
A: 7:30:34
